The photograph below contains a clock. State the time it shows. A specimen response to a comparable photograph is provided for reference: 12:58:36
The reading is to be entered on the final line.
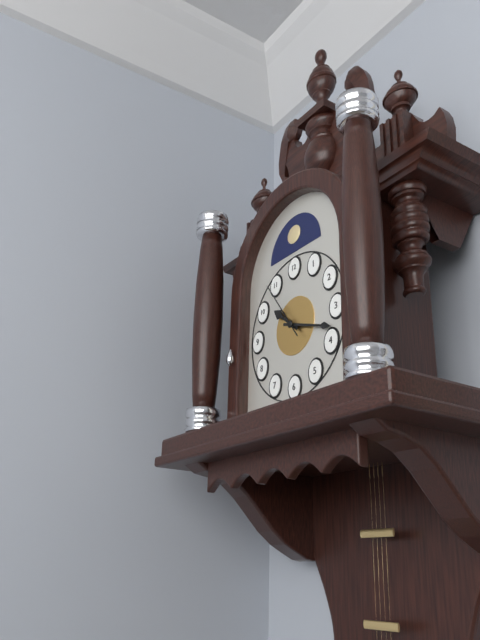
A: 10:18:54
